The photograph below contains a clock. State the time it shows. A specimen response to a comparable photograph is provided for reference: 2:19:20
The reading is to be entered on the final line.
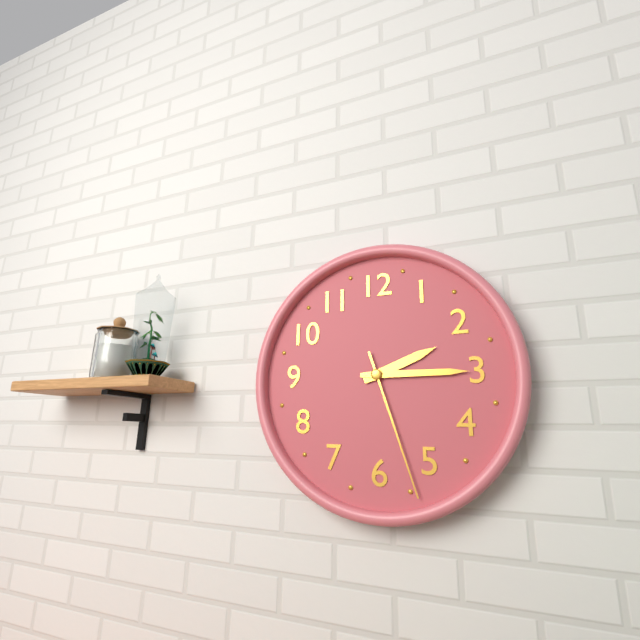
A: 2:15:27
